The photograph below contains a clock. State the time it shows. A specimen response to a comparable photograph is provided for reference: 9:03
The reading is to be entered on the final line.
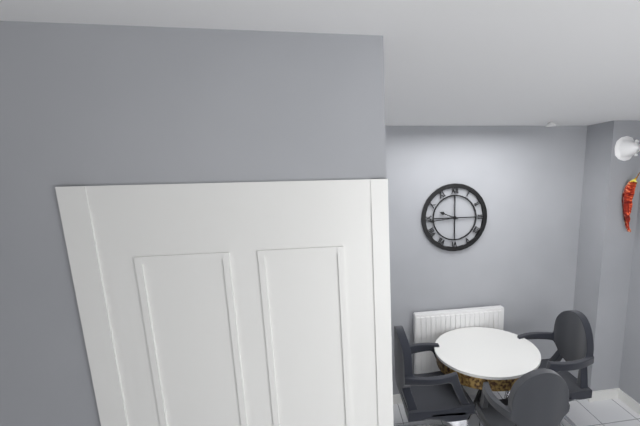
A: 9:44
